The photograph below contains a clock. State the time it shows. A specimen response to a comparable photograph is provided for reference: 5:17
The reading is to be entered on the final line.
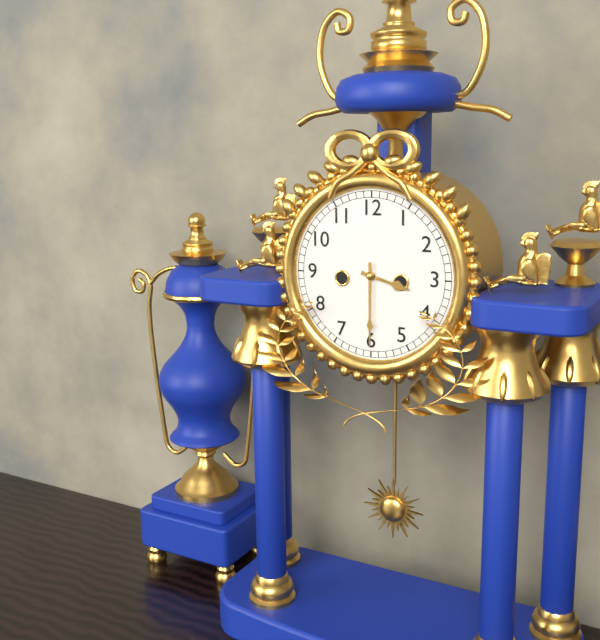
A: 3:30
